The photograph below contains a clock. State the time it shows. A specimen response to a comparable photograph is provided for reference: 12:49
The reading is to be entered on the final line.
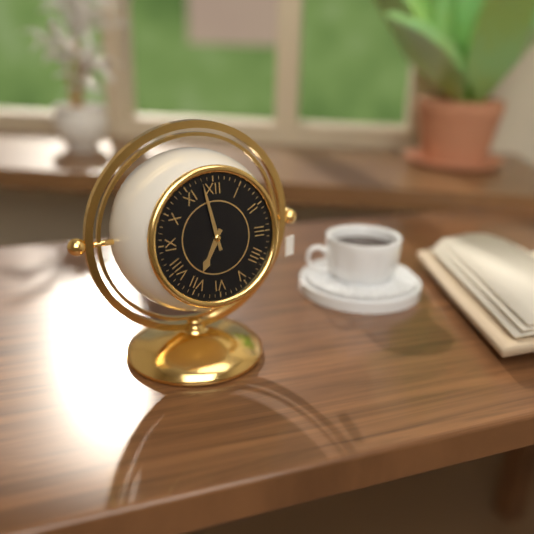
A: 6:58
